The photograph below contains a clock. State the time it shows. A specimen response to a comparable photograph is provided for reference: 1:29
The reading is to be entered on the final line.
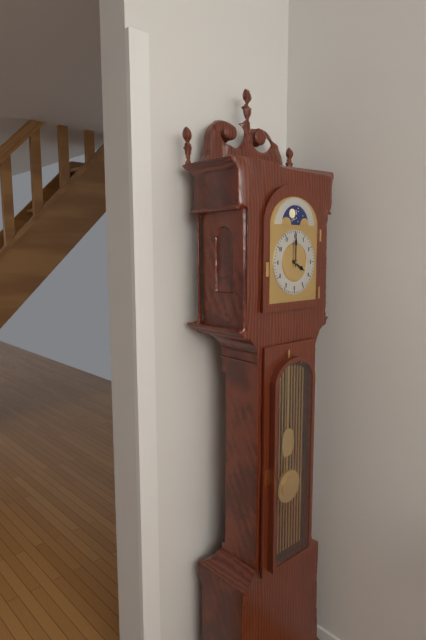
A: 4:00
